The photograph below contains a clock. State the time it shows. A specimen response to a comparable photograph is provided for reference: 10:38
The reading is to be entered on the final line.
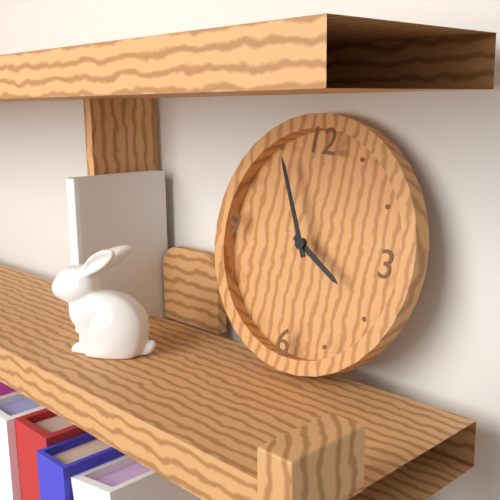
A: 3:55
